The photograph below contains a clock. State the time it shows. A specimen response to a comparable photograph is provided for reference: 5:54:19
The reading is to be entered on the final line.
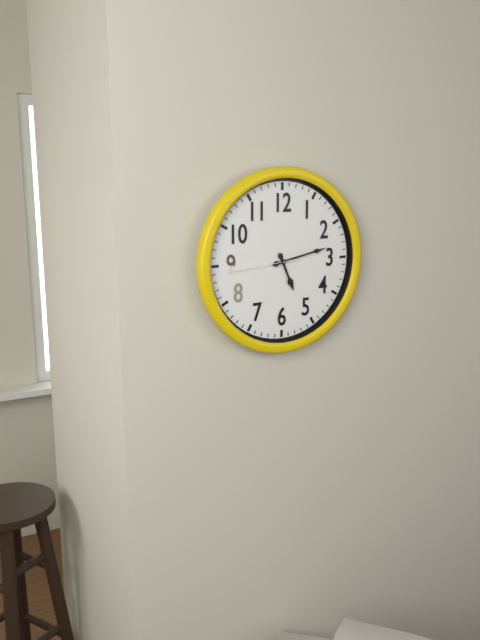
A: 5:13:44
